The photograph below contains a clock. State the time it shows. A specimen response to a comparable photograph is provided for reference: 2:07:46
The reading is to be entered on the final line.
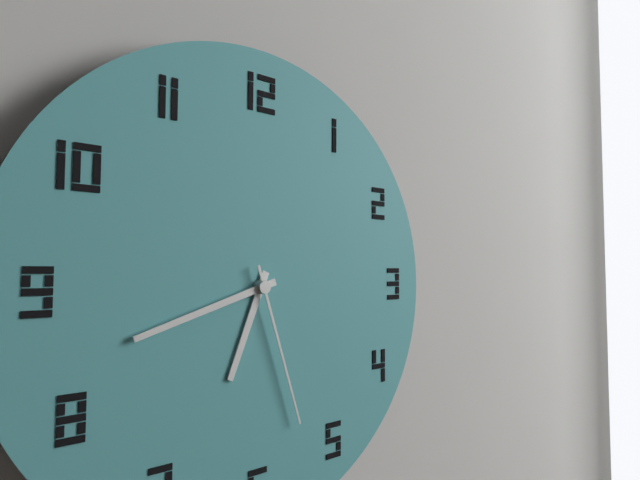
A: 6:42:27
